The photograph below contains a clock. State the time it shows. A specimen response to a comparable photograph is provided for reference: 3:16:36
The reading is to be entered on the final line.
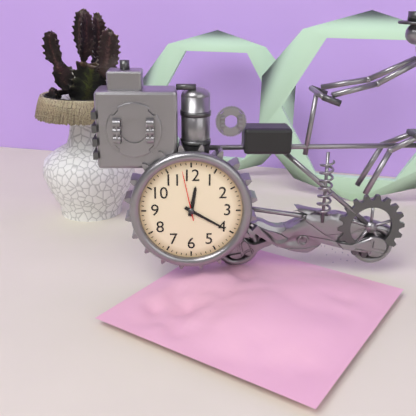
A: 12:20:58
